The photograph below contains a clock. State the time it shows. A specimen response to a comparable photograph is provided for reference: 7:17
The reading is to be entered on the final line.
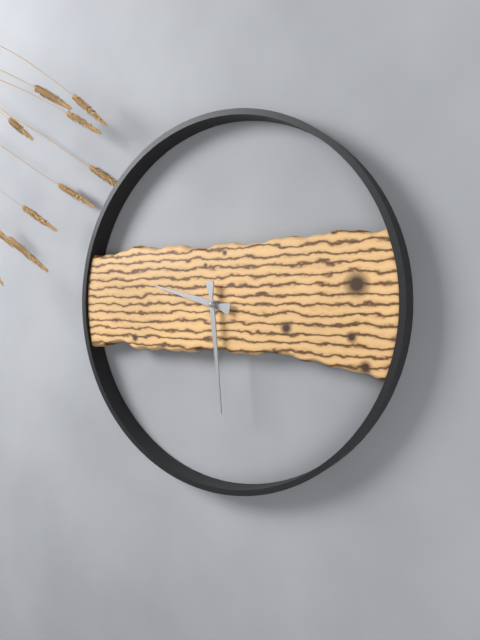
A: 9:29
